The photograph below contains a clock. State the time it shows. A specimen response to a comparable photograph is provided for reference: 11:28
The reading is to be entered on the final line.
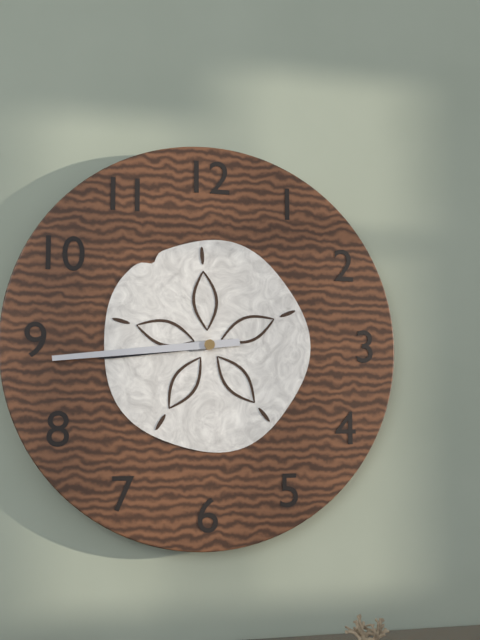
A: 8:44
